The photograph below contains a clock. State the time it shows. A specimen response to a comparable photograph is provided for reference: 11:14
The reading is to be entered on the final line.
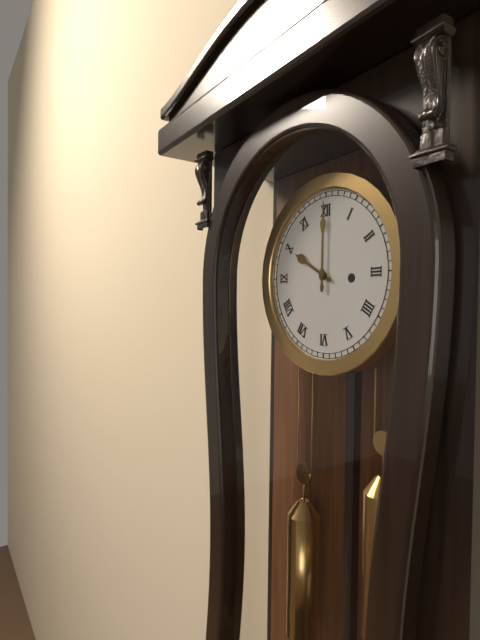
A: 10:00
